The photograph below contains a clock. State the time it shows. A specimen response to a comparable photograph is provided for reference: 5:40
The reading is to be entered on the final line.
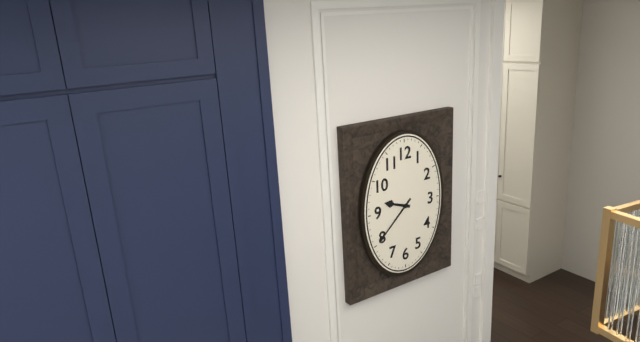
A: 9:38
